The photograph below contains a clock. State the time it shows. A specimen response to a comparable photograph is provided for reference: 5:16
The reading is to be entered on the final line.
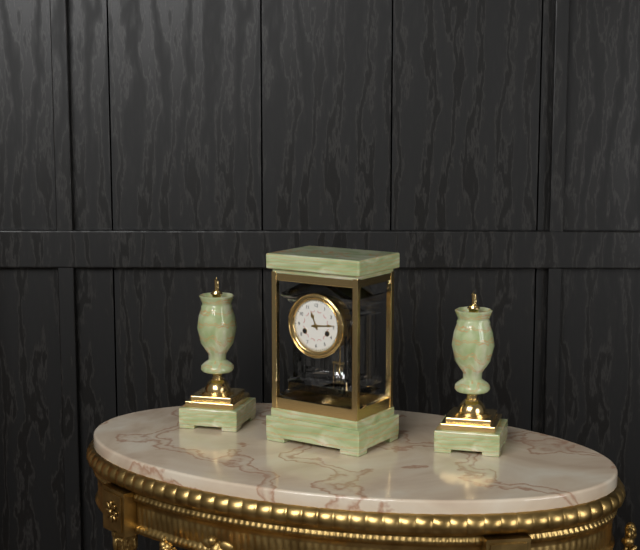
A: 11:14
